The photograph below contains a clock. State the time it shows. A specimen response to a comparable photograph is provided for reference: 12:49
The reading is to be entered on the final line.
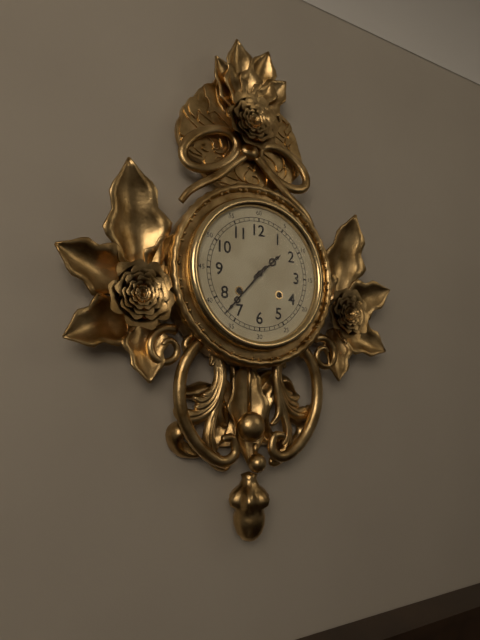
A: 1:37
